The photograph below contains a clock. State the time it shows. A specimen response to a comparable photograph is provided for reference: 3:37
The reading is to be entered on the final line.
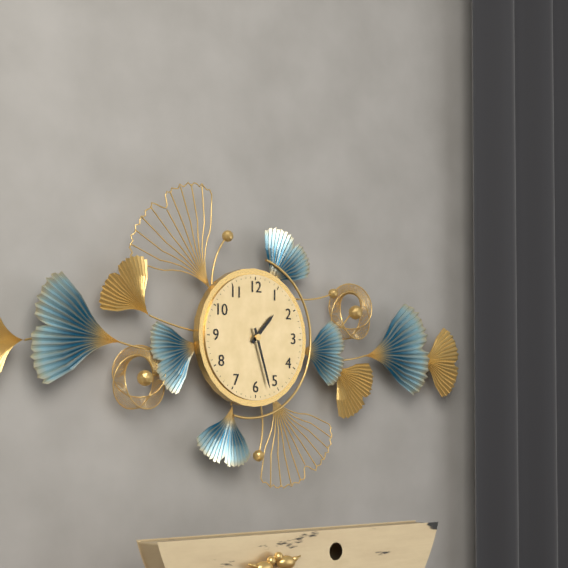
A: 1:27
